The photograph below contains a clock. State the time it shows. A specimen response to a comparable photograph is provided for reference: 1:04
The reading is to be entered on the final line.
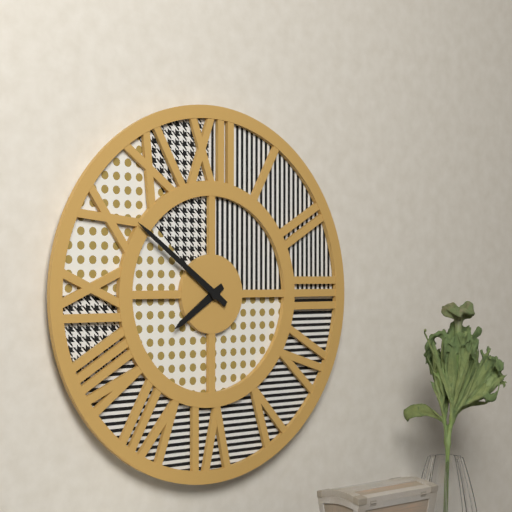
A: 7:51
